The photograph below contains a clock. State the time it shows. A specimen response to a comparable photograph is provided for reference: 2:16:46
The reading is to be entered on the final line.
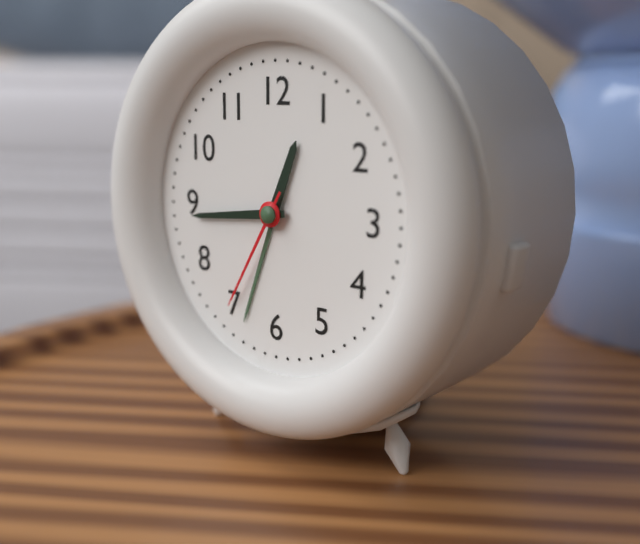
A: 12:44:35
